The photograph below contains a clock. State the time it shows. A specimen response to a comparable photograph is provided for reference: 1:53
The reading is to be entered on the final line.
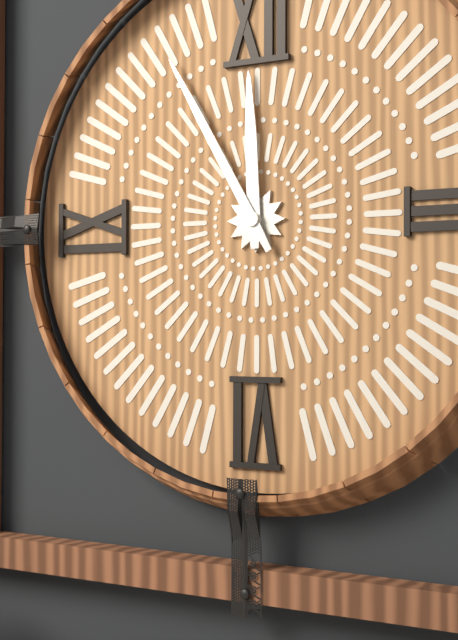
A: 11:55
